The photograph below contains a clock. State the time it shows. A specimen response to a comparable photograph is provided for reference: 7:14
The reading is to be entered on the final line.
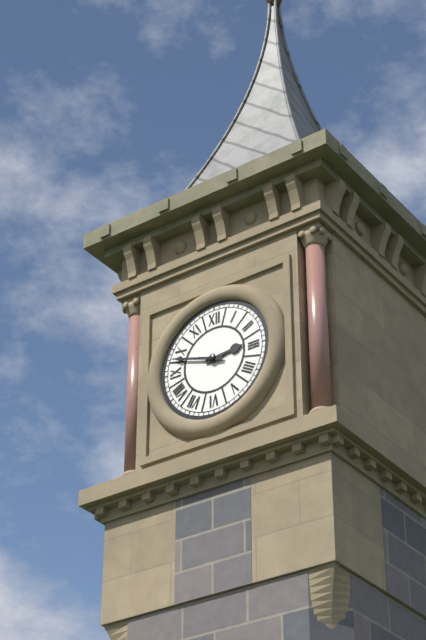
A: 2:48
